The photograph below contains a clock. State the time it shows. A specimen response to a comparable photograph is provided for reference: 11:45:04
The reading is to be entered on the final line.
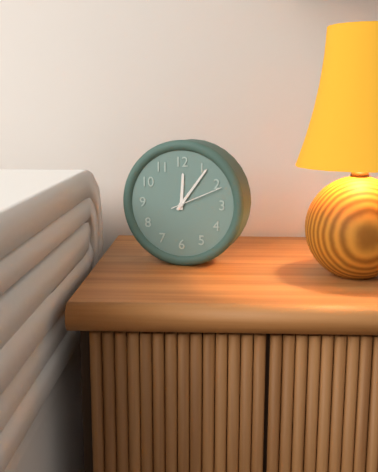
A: 12:06:11
